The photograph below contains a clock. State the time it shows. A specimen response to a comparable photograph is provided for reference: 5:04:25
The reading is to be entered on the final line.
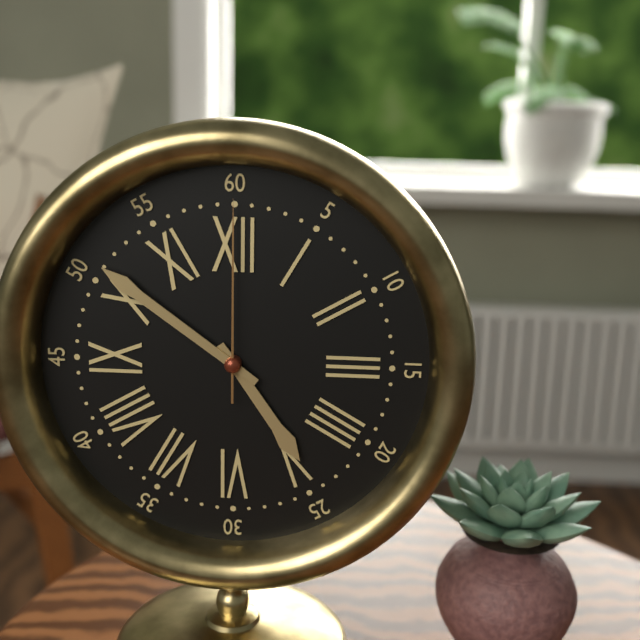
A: 4:51:00
